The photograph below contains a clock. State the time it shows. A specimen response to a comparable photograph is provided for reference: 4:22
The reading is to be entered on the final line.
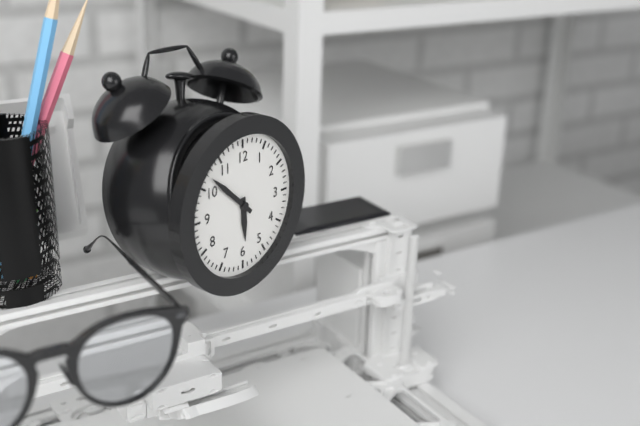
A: 5:52
